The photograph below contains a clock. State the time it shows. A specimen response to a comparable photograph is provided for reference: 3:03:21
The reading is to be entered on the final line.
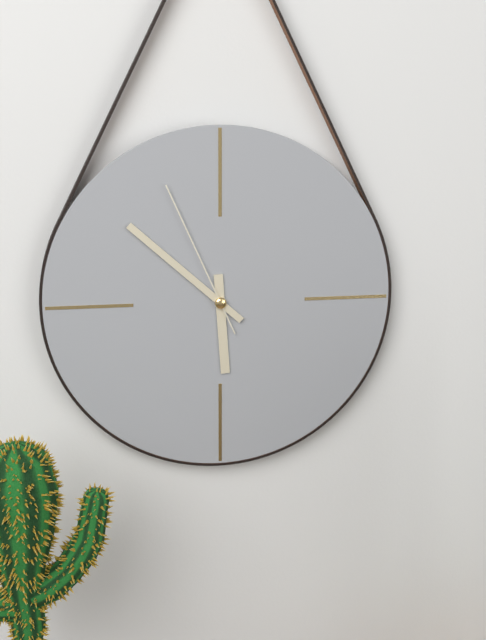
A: 5:52:56
